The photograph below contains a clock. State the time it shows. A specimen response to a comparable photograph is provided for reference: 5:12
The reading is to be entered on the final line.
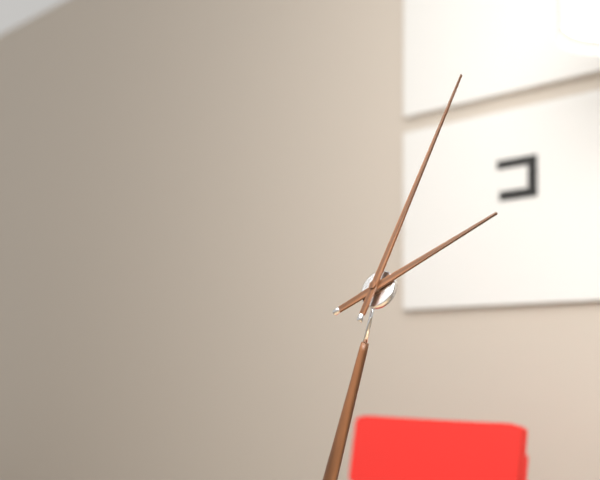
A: 2:02
